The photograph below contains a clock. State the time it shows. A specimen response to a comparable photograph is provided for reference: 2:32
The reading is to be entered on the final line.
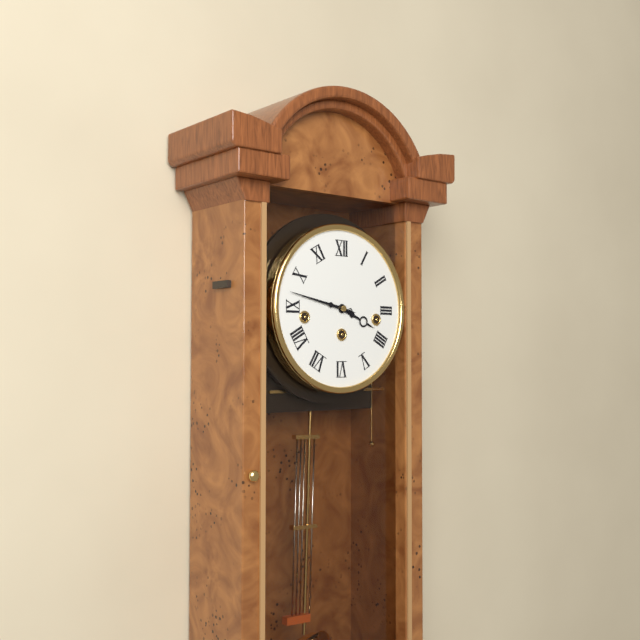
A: 3:47
